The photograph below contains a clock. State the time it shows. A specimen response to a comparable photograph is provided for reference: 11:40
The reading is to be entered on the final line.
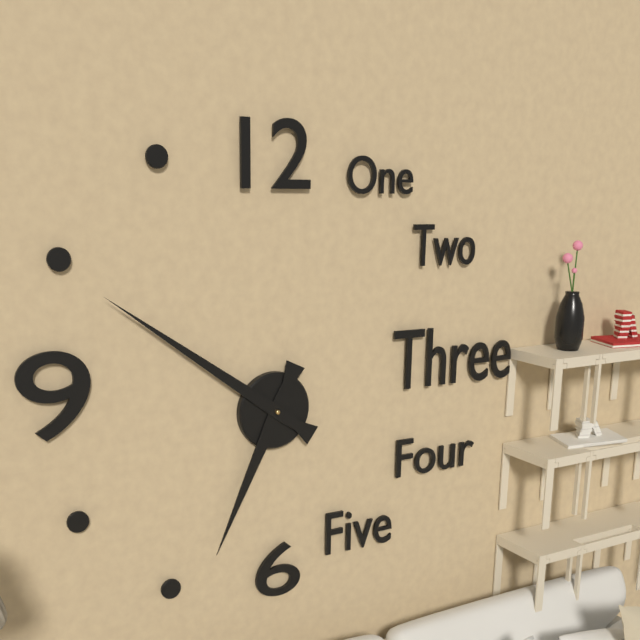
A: 6:51
